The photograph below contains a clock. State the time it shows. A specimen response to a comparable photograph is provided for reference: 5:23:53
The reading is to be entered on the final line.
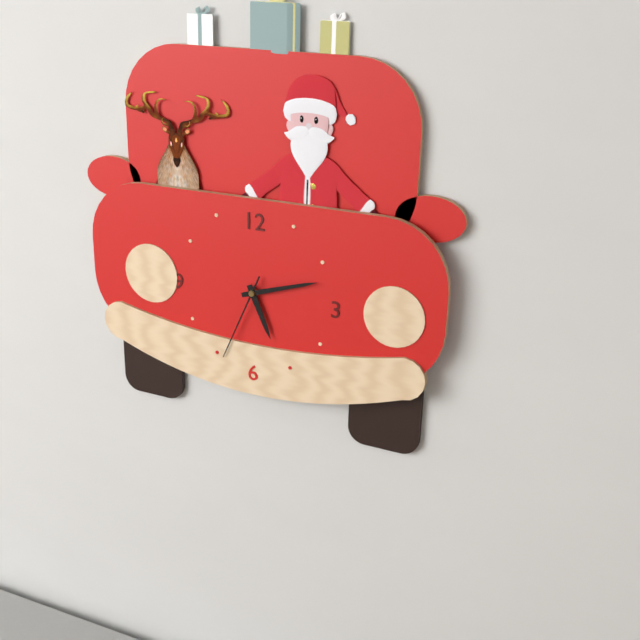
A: 5:12:34
